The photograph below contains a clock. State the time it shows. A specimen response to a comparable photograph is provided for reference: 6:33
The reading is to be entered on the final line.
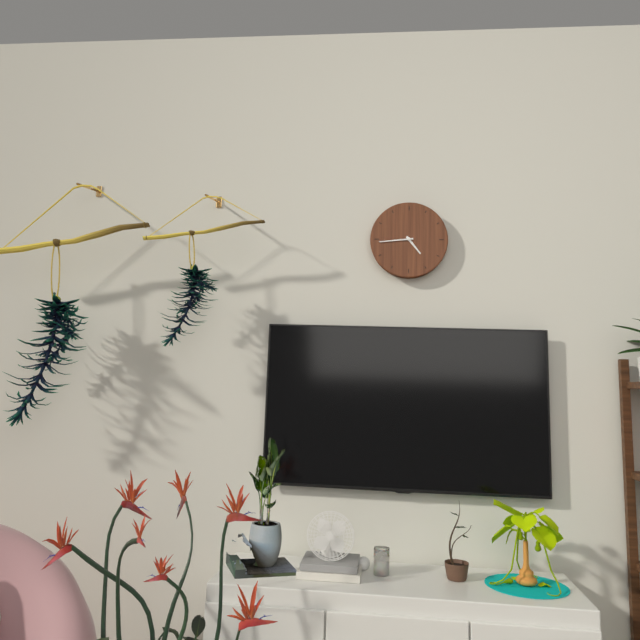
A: 4:44
